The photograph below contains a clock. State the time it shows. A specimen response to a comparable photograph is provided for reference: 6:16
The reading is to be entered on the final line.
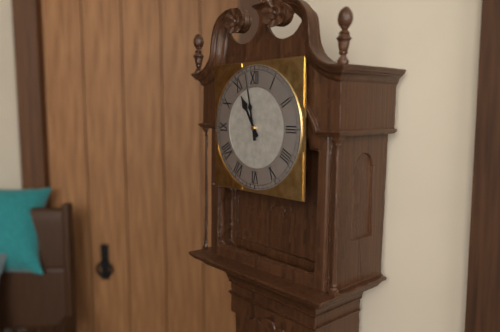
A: 10:58
